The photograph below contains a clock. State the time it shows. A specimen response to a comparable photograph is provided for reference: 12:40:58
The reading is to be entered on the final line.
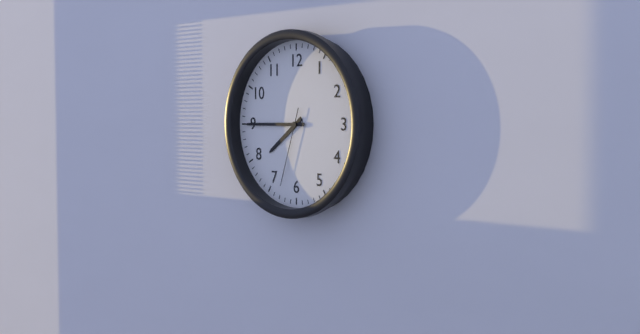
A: 7:45:33
